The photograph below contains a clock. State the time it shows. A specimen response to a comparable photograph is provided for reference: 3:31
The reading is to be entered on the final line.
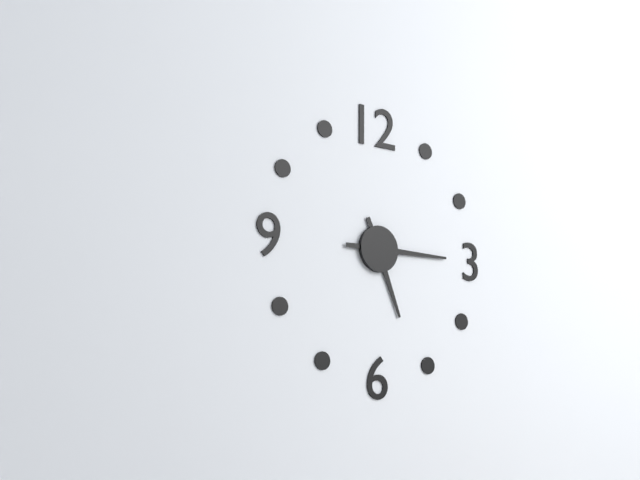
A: 5:15
